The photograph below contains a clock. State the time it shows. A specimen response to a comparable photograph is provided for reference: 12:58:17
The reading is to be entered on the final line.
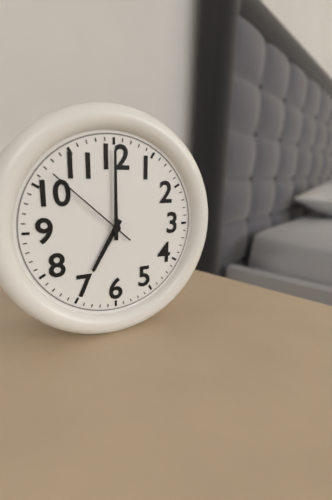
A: 7:00:52
